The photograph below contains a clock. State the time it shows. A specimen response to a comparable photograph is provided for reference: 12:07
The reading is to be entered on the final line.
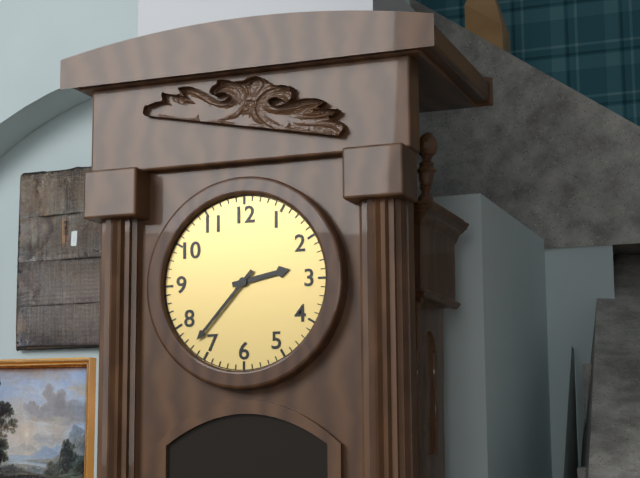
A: 2:37
